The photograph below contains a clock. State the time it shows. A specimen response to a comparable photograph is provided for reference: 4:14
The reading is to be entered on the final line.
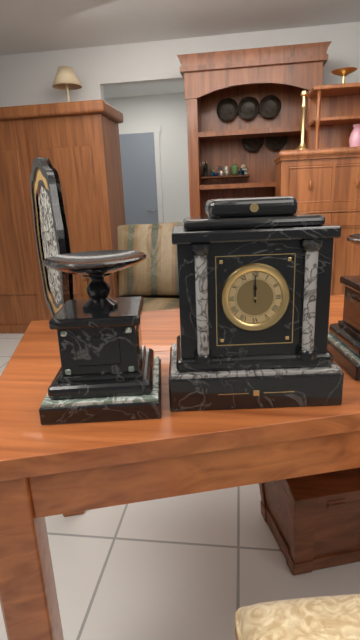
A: 12:00
